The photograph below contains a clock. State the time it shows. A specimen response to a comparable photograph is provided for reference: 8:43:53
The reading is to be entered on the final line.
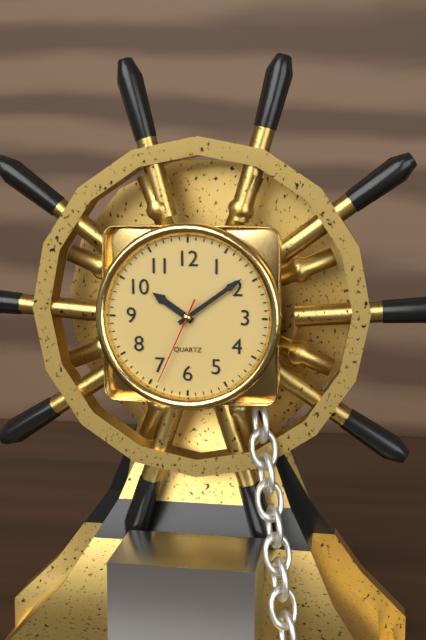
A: 10:09:34
